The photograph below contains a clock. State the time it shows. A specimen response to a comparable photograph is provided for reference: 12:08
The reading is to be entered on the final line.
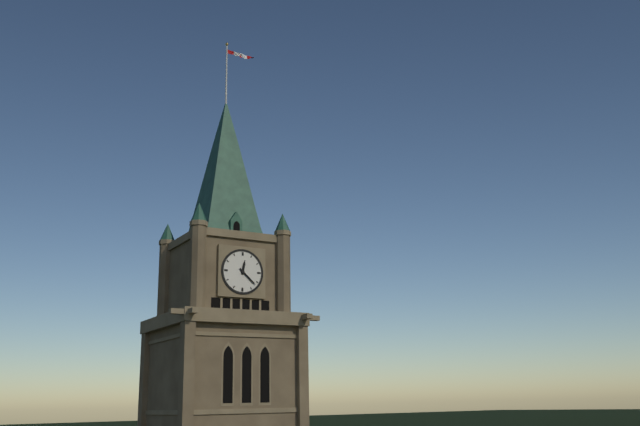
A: 12:22
